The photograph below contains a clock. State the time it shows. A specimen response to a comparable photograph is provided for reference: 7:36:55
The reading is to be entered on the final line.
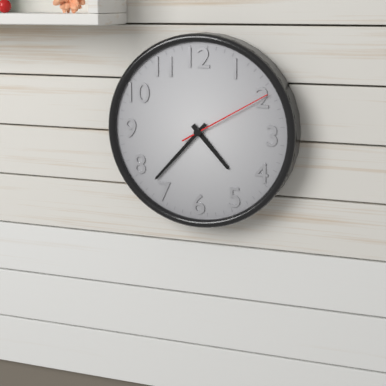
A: 4:37:10
